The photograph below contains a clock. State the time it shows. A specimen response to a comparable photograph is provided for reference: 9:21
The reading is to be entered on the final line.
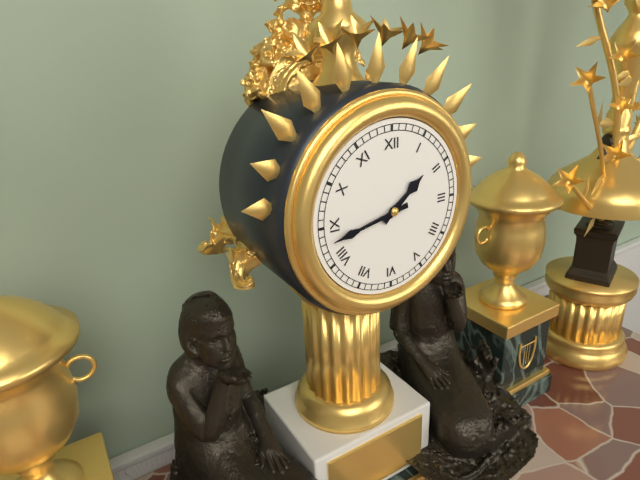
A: 1:43
